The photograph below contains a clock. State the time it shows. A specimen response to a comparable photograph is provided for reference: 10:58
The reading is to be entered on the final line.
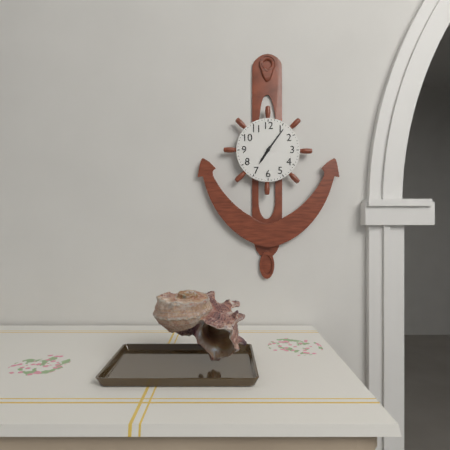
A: 7:06
